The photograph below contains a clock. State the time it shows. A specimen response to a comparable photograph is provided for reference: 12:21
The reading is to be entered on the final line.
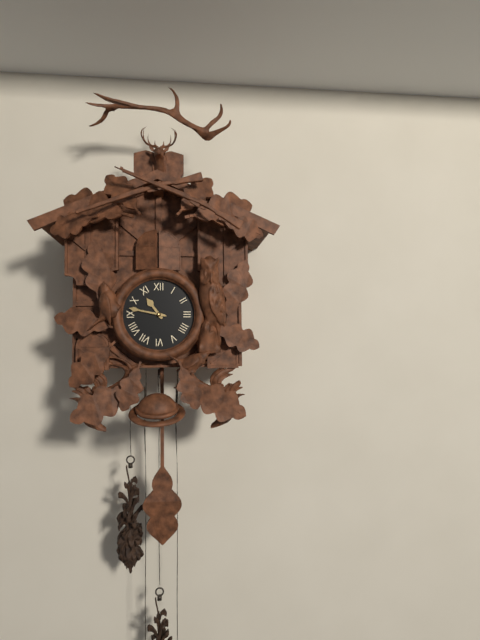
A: 10:47
